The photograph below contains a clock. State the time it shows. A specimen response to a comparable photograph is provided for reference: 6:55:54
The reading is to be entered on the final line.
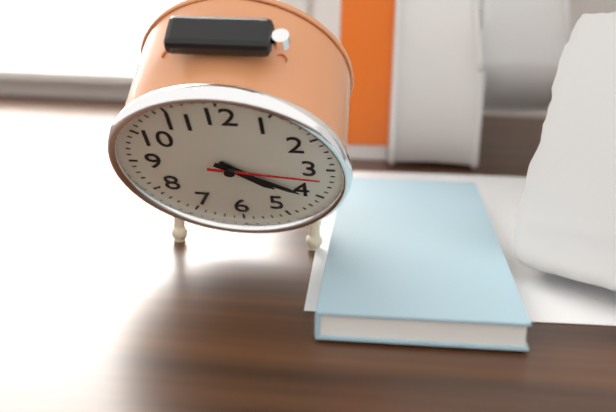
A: 4:20:16
